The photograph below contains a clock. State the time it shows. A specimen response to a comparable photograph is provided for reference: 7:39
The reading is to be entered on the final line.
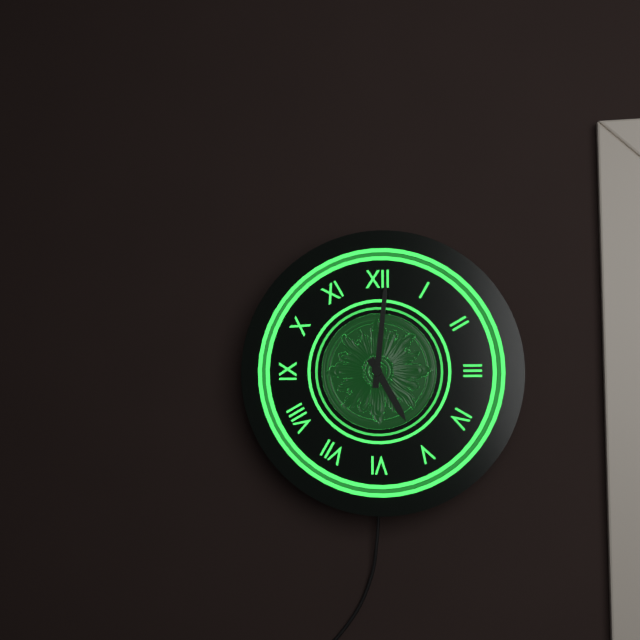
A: 5:01
